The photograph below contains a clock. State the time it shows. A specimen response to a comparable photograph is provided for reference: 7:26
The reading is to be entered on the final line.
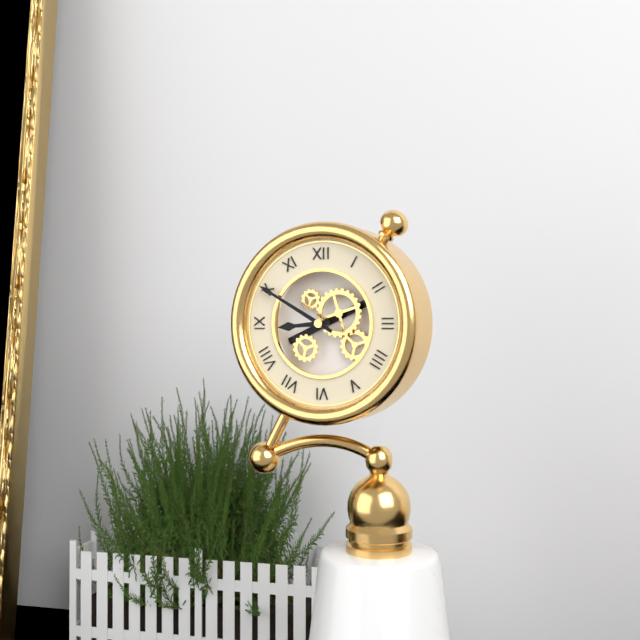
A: 8:50
